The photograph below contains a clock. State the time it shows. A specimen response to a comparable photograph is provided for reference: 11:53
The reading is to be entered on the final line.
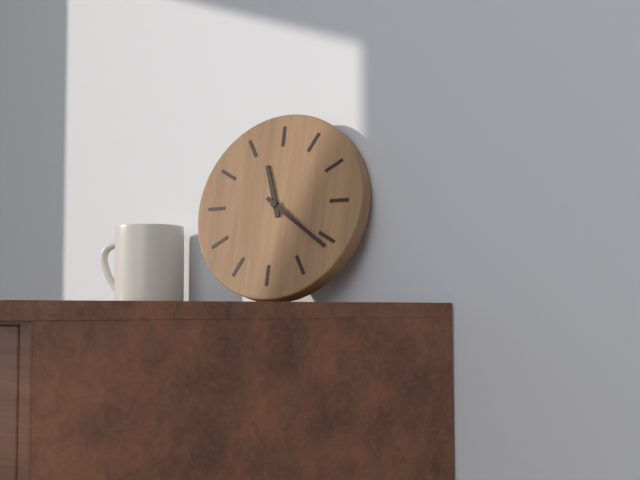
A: 11:21
